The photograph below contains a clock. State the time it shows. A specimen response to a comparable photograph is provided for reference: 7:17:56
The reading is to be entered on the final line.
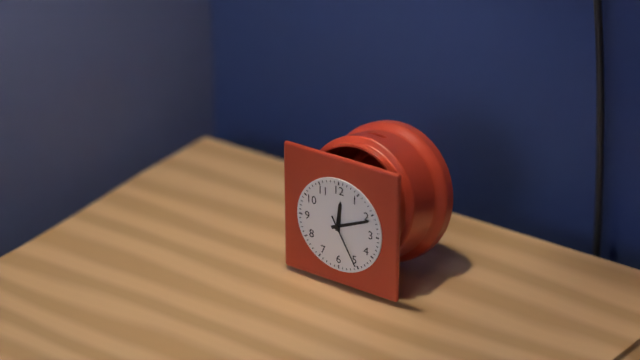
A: 12:11:25
